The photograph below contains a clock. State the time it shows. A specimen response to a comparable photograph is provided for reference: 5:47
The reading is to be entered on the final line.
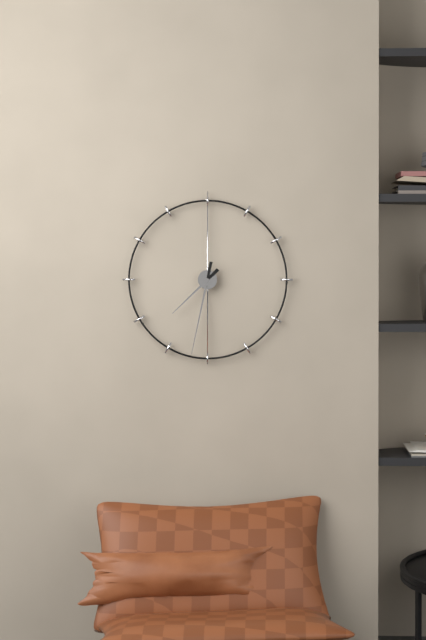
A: 7:32
